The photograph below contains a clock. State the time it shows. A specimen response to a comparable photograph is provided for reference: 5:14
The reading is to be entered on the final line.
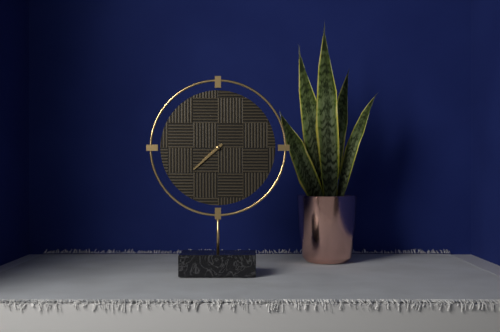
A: 7:38
